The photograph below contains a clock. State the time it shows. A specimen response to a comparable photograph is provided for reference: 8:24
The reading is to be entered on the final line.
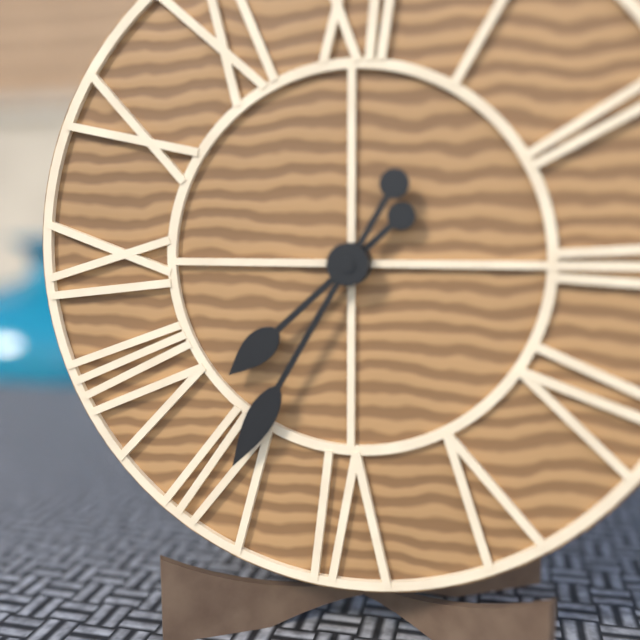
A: 7:35
